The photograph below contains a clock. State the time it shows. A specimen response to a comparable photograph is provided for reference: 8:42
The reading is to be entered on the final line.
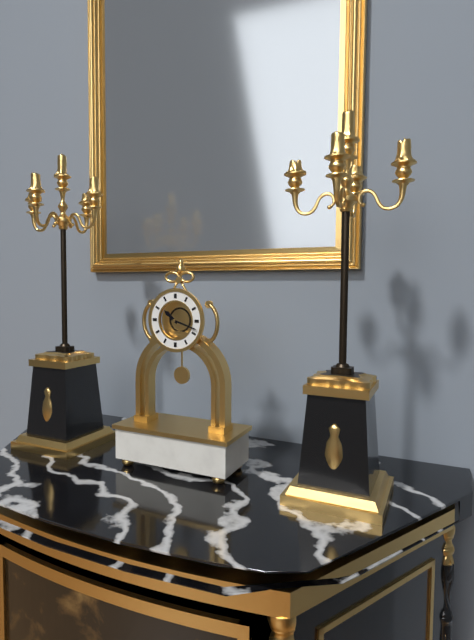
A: 10:18
